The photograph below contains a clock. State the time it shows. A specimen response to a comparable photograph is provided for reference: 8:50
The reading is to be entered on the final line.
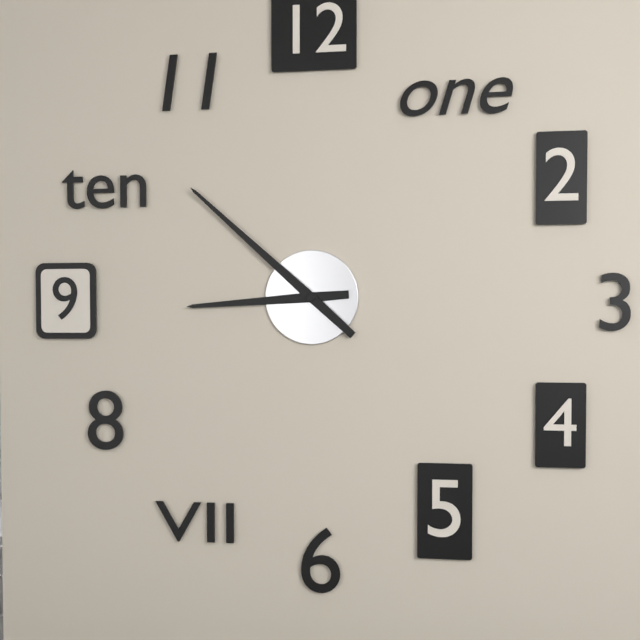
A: 8:52
